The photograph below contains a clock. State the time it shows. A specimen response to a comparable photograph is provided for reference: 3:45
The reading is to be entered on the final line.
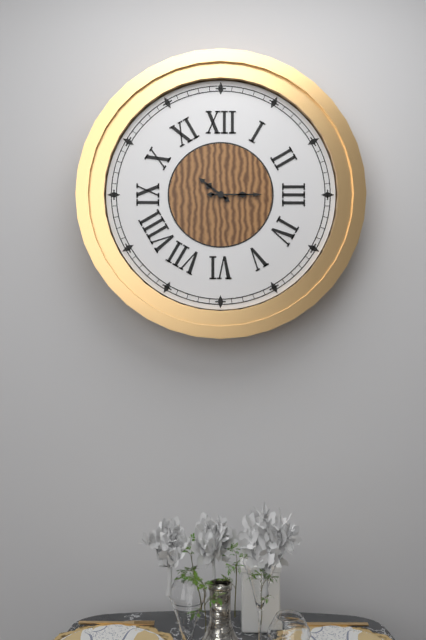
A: 10:15
